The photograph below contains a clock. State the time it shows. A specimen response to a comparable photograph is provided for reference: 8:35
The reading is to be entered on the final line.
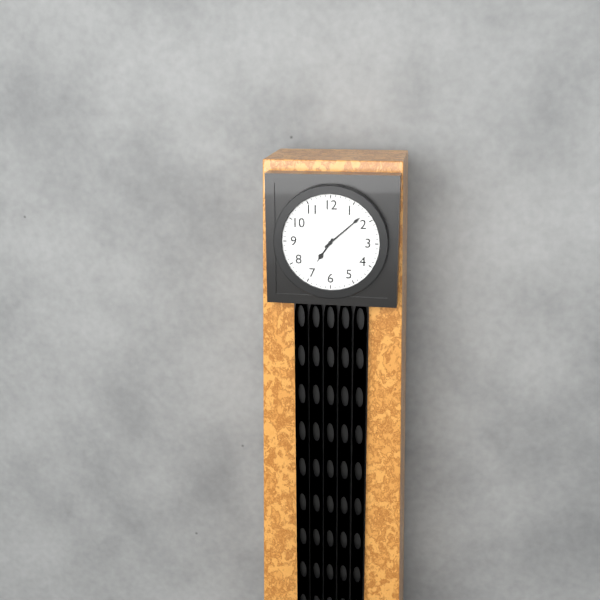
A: 7:08
